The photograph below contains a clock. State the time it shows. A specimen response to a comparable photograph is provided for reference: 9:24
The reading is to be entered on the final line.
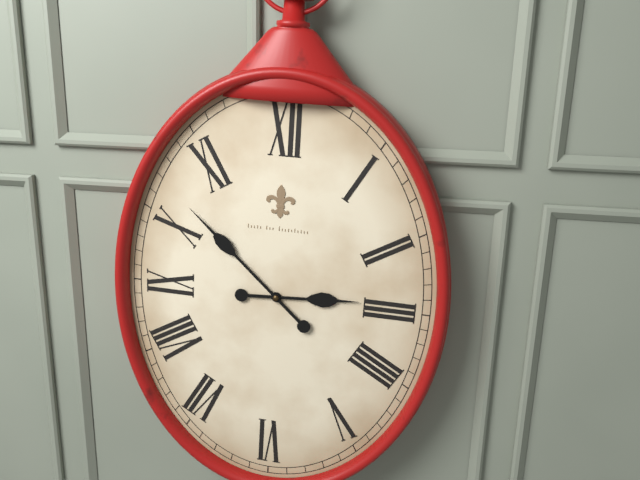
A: 2:52
